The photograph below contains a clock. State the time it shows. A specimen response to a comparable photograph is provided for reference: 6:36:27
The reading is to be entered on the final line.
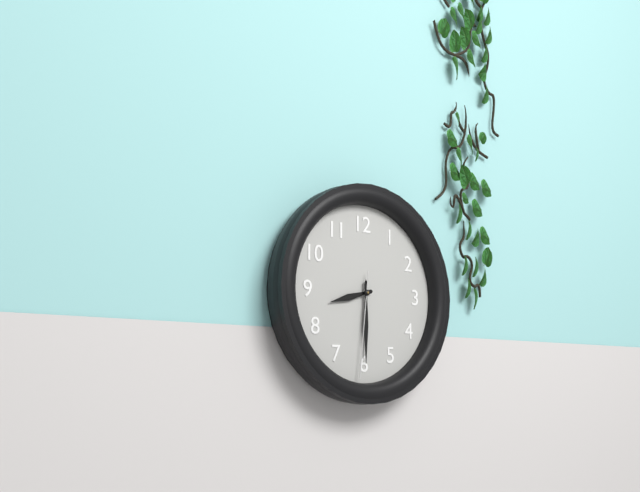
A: 8:30:31
